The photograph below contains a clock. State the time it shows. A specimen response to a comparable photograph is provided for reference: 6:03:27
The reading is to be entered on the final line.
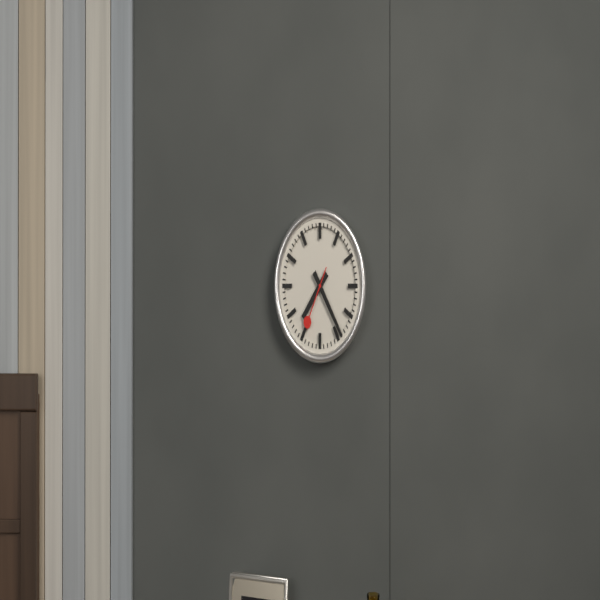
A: 7:24:35
